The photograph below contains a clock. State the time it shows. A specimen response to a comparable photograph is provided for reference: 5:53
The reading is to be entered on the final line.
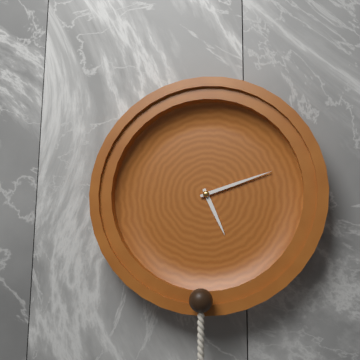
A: 5:12
